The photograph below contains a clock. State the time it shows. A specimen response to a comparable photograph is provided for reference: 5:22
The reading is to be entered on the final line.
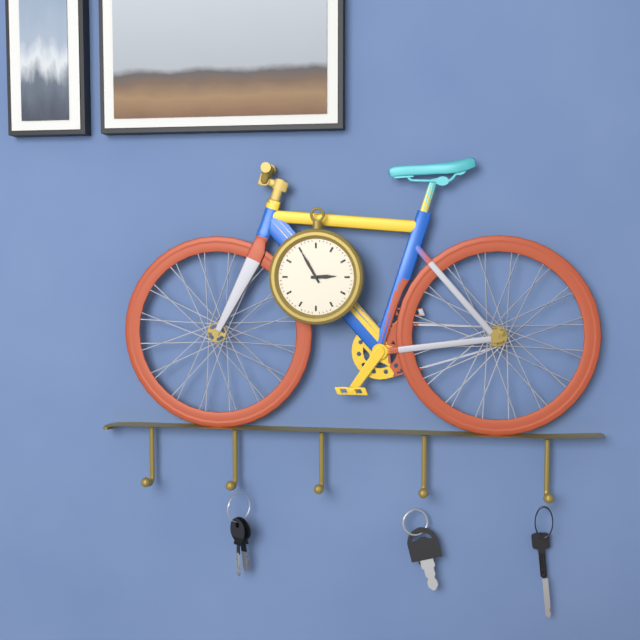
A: 2:55
